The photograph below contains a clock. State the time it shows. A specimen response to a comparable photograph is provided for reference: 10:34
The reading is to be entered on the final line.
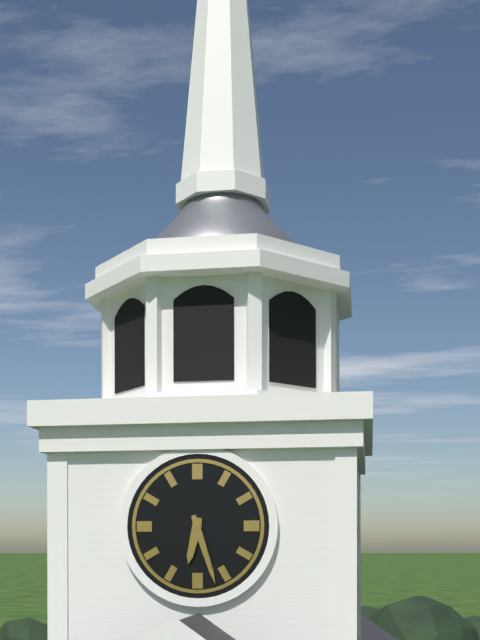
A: 6:27
